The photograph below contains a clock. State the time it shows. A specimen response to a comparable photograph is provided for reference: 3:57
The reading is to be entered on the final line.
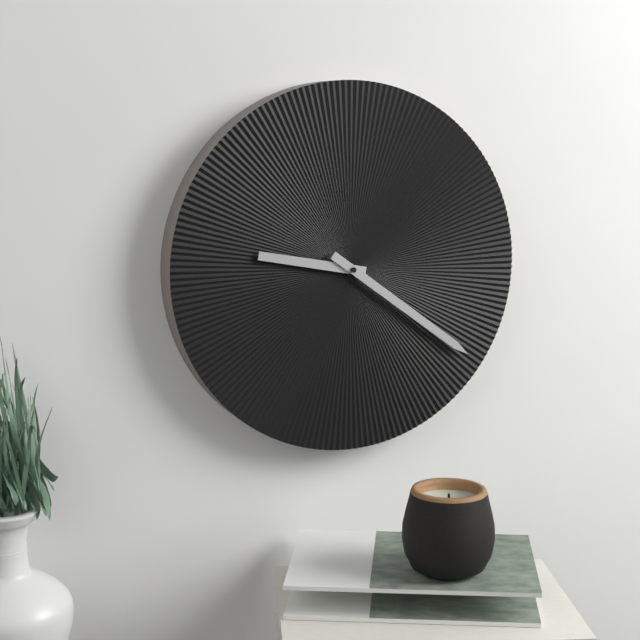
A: 9:21
